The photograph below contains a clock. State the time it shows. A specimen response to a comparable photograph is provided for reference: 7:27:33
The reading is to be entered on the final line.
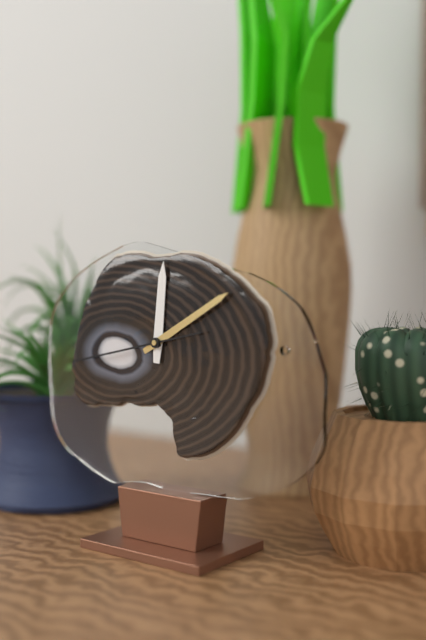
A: 12:10:43
